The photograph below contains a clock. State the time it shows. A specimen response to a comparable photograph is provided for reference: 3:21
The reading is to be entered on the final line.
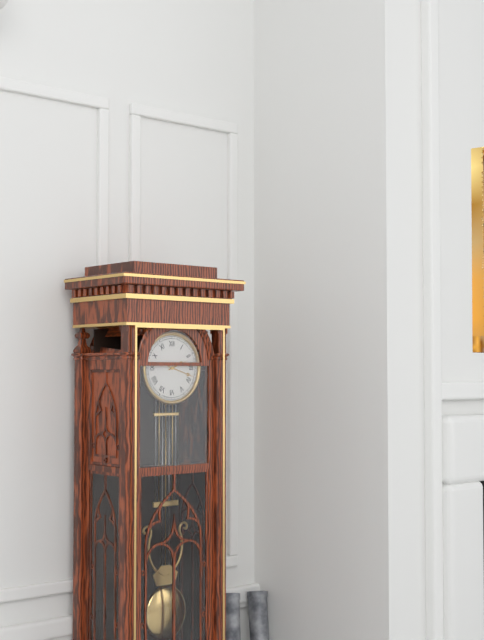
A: 2:18
